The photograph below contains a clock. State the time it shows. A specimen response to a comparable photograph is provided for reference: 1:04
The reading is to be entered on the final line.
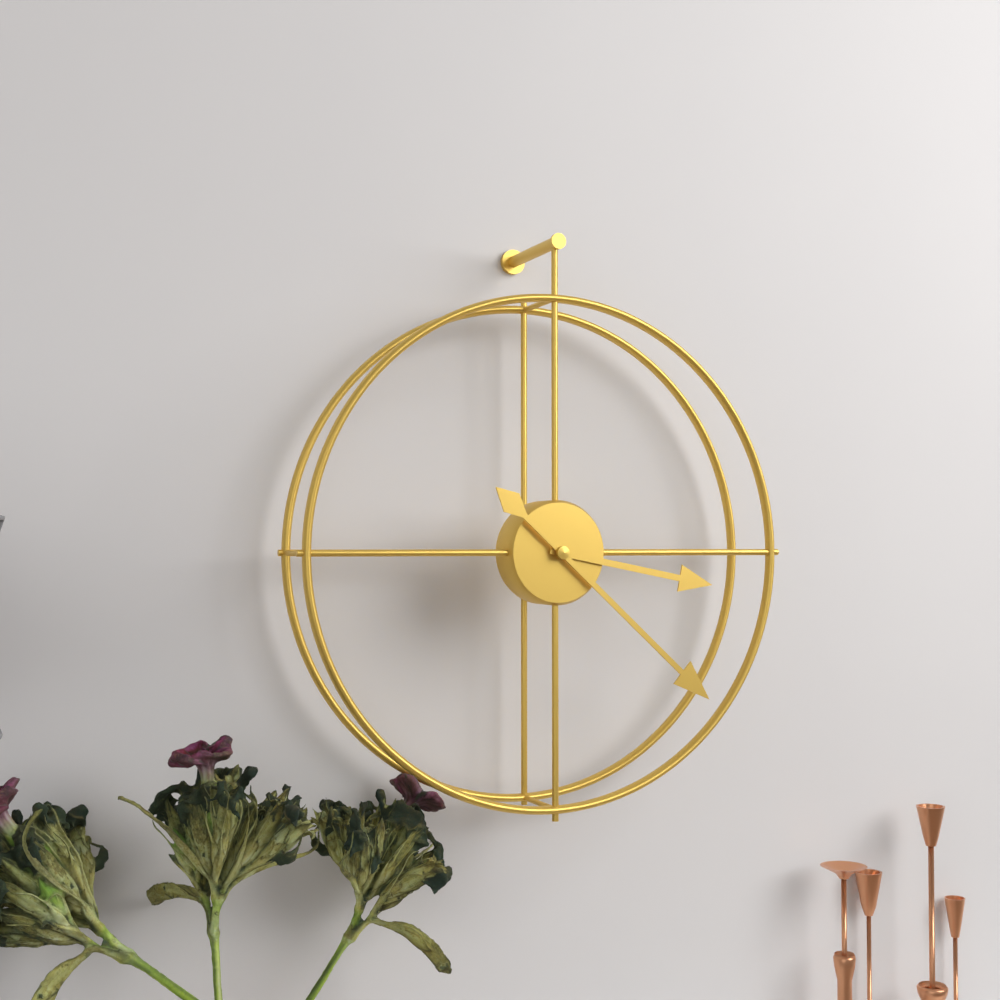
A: 3:22
